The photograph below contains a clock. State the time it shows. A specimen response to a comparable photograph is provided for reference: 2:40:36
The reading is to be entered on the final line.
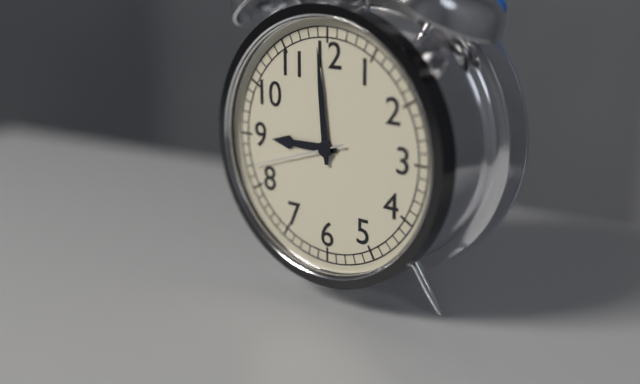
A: 8:59:42
